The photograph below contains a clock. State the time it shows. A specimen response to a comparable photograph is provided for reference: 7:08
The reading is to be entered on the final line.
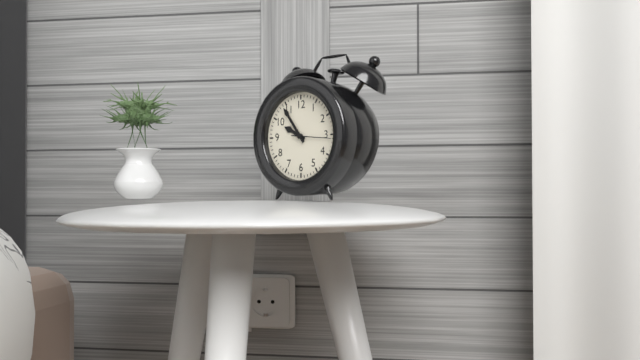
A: 9:54
